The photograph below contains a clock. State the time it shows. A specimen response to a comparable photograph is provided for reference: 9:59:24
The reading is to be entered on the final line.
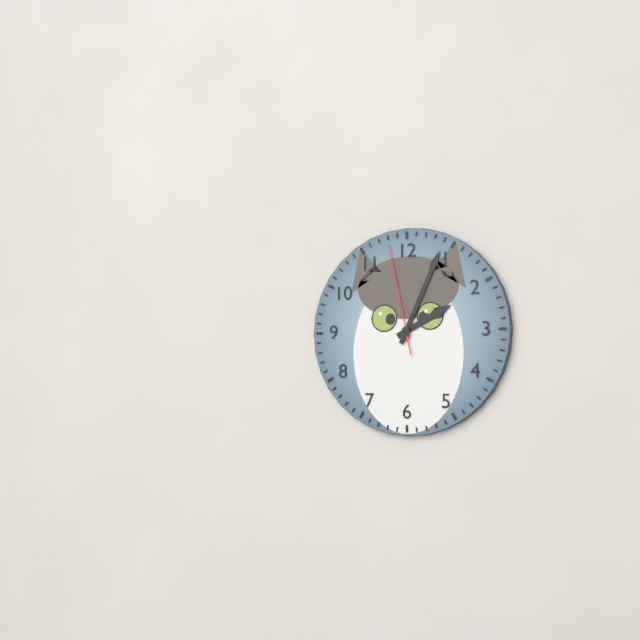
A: 2:04:58
